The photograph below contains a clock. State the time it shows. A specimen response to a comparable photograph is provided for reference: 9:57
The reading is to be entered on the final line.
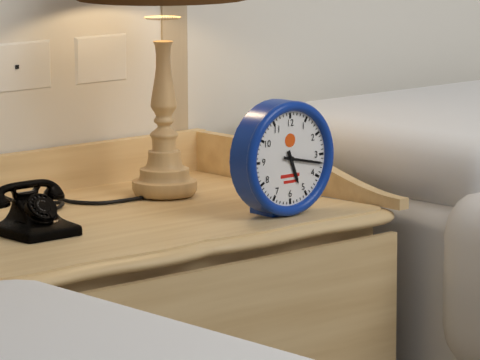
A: 5:17
